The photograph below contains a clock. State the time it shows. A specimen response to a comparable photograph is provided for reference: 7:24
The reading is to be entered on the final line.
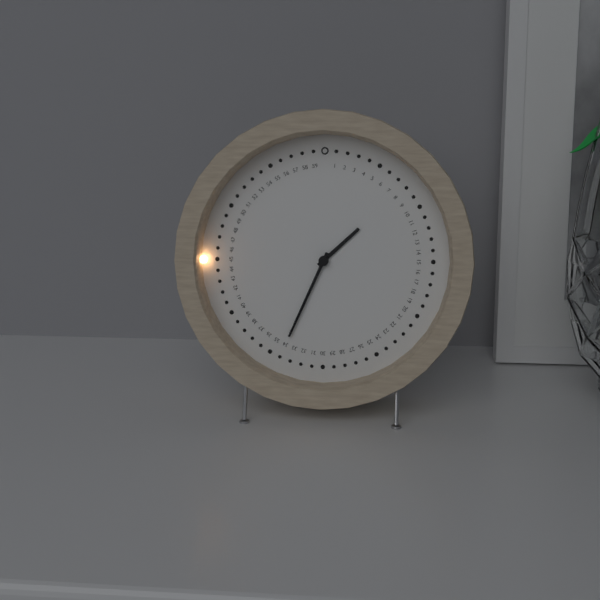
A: 1:34
